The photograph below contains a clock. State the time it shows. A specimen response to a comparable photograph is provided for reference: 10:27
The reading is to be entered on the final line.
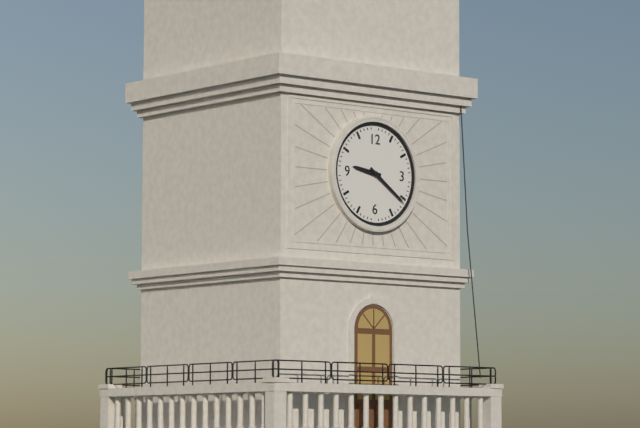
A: 9:21
